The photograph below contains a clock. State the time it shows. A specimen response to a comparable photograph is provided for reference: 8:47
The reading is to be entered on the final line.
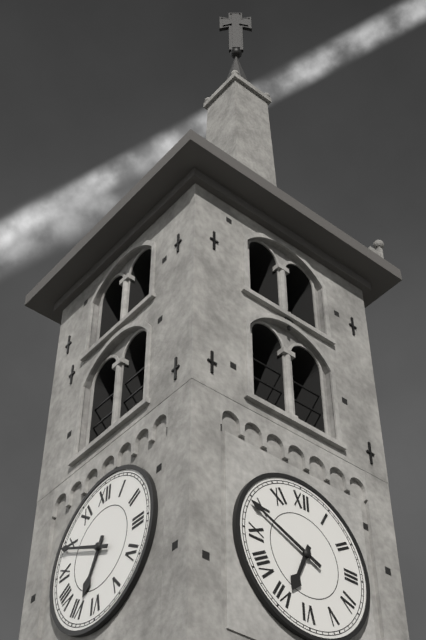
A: 6:49
